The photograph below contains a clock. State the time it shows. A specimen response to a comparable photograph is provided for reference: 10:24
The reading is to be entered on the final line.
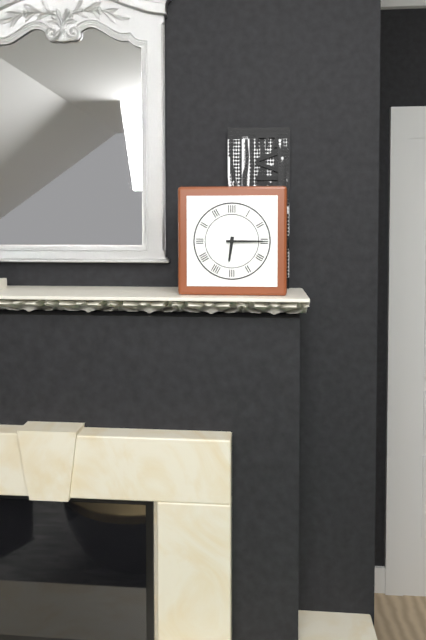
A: 6:15
